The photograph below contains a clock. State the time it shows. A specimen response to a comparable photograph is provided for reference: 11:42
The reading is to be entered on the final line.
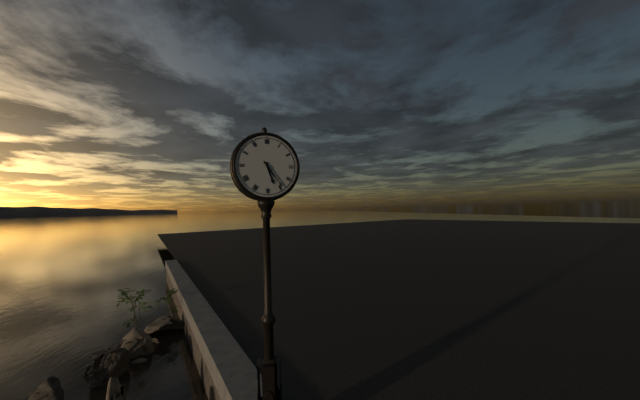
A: 5:24
